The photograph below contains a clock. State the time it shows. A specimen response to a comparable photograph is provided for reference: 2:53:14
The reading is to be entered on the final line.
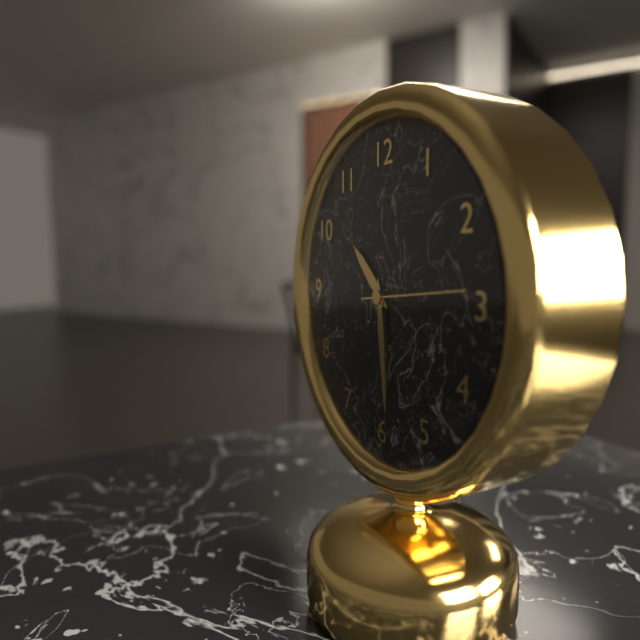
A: 10:29:14
